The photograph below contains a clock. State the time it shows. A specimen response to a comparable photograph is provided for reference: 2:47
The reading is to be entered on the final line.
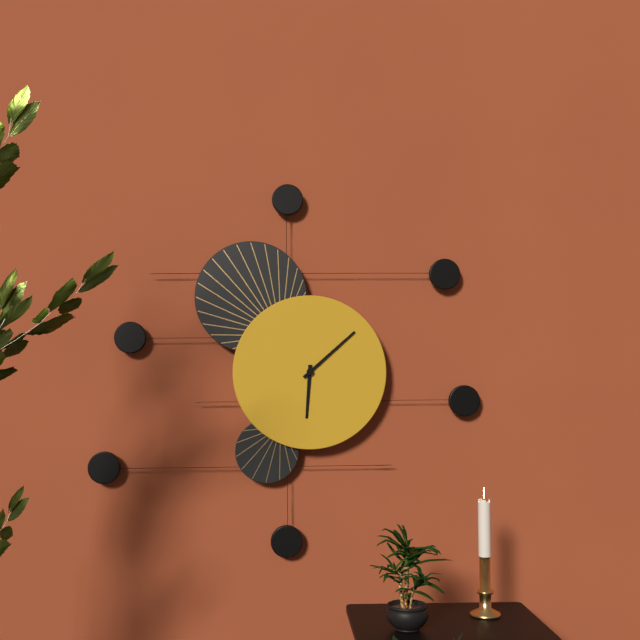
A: 6:08
